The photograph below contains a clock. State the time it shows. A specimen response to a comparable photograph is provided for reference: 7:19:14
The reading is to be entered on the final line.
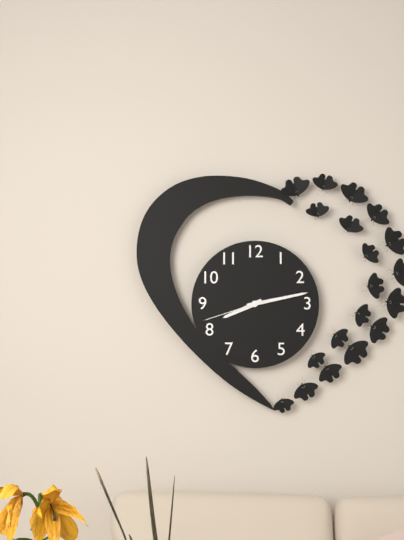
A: 8:13:42
